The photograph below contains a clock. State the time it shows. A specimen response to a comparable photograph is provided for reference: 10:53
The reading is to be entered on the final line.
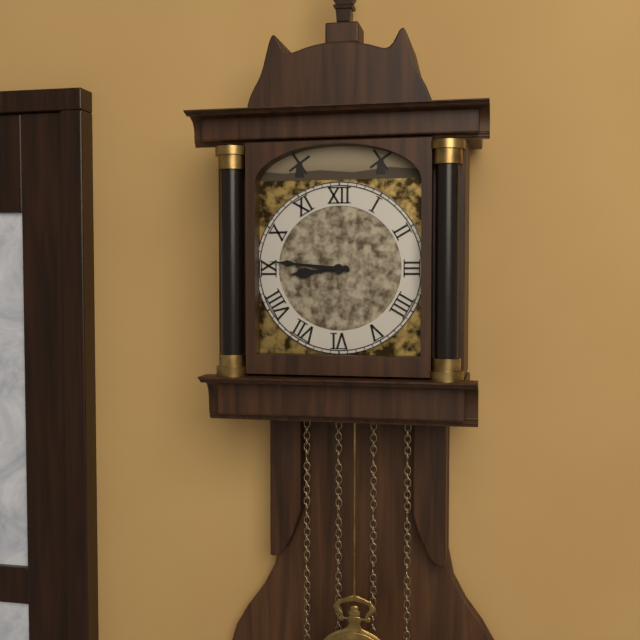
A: 8:46
